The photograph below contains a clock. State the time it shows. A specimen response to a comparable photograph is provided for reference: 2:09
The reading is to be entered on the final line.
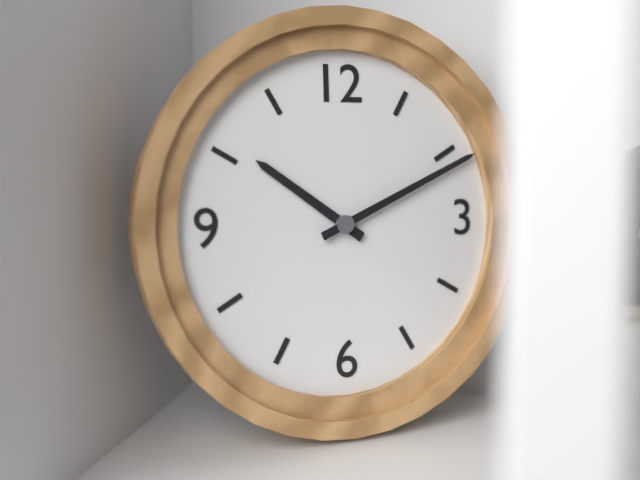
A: 10:11
